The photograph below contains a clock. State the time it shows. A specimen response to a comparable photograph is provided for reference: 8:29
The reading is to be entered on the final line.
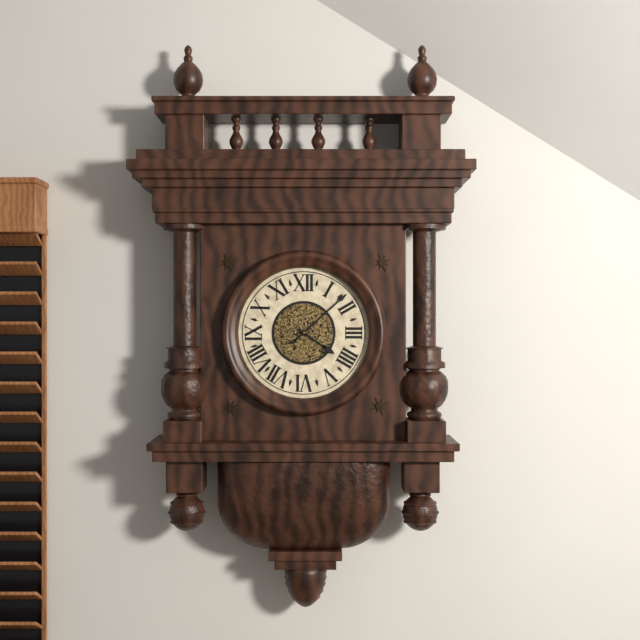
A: 4:08
